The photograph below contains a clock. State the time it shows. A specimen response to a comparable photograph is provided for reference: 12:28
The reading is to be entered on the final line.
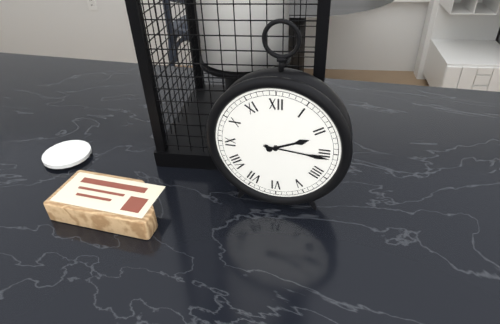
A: 2:16
